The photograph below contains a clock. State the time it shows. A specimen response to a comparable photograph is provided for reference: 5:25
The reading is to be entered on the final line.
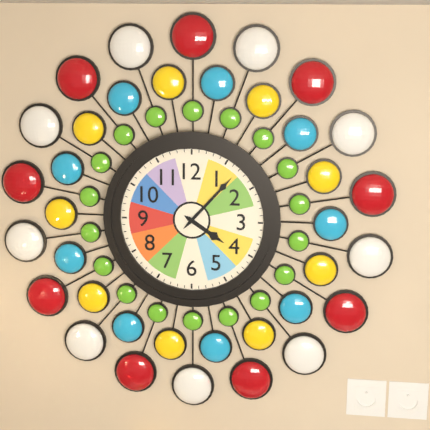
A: 4:07
